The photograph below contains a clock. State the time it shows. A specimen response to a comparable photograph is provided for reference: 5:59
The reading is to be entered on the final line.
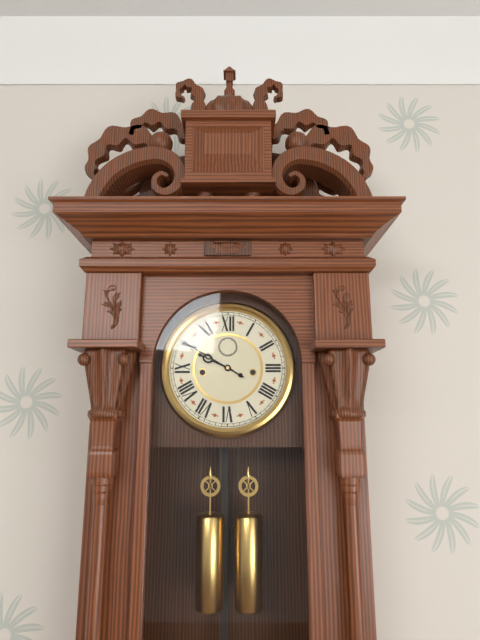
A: 9:50
